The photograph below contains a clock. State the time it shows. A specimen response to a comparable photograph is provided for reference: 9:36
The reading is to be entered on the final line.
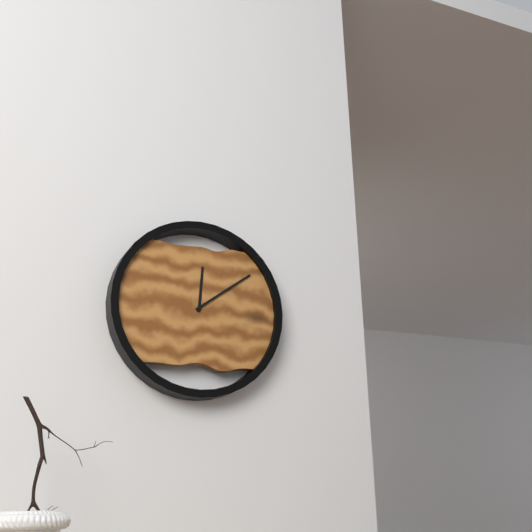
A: 12:09
